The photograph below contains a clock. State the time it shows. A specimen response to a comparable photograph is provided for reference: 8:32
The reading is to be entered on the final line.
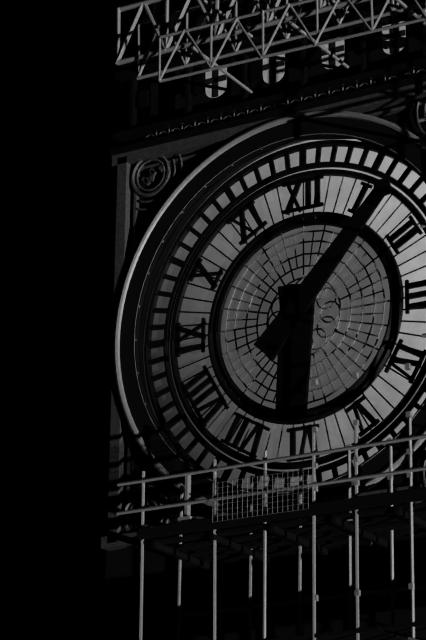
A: 6:07
